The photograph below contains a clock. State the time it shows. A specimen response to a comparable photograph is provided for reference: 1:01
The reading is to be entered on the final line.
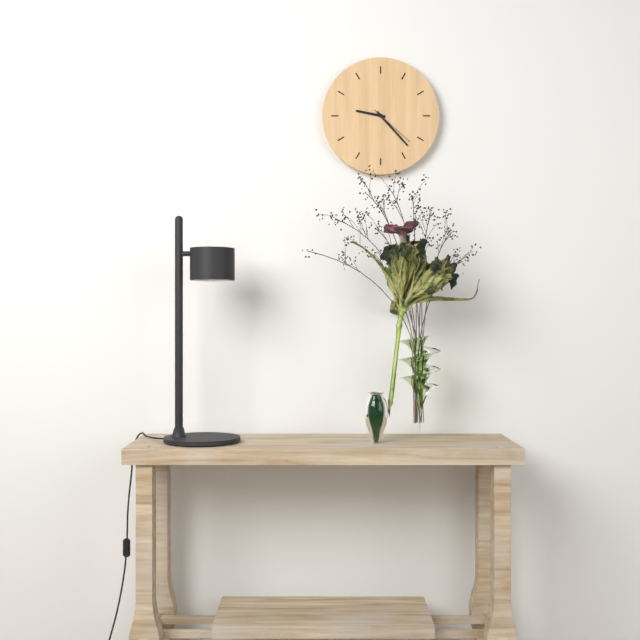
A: 9:23
